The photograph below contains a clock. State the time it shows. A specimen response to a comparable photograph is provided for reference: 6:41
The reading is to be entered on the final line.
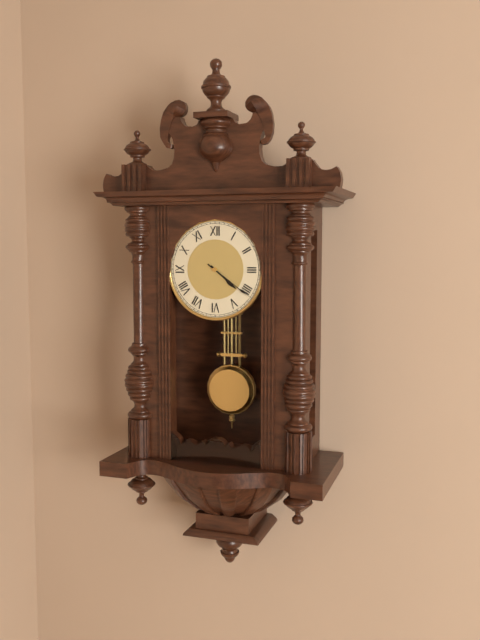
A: 4:21
